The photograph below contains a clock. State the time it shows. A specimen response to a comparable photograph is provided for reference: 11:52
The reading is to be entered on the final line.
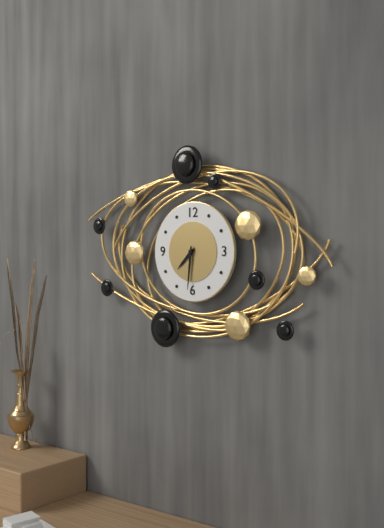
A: 7:31
